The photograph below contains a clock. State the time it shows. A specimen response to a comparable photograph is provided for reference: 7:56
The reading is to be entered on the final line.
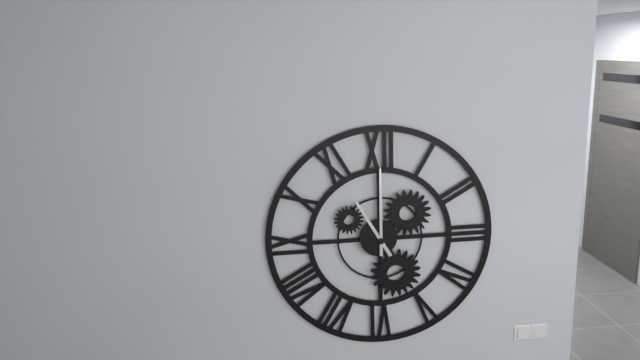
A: 11:00
